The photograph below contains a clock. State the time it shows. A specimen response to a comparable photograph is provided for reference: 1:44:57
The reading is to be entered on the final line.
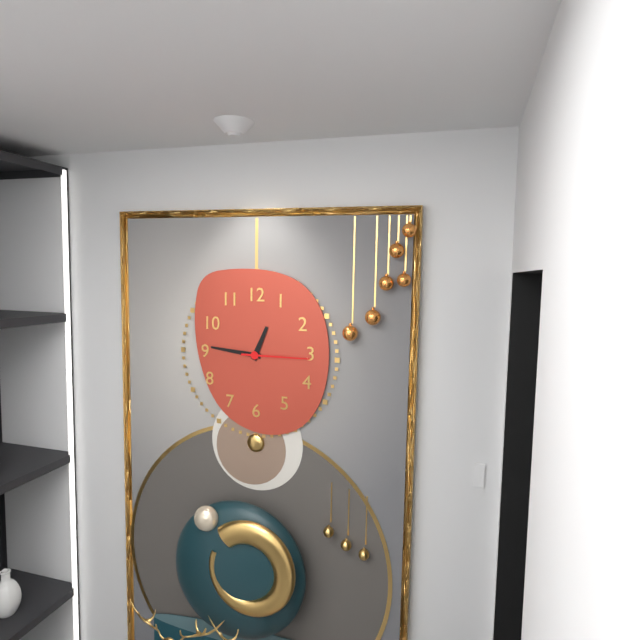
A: 12:46:15
